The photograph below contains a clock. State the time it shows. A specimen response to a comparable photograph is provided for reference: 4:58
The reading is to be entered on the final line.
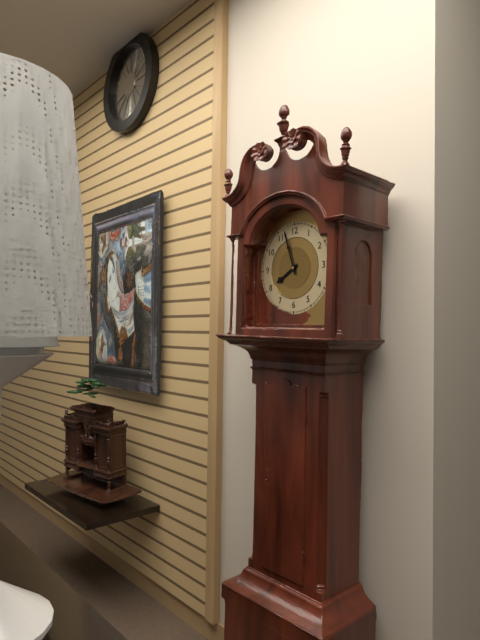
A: 7:57
